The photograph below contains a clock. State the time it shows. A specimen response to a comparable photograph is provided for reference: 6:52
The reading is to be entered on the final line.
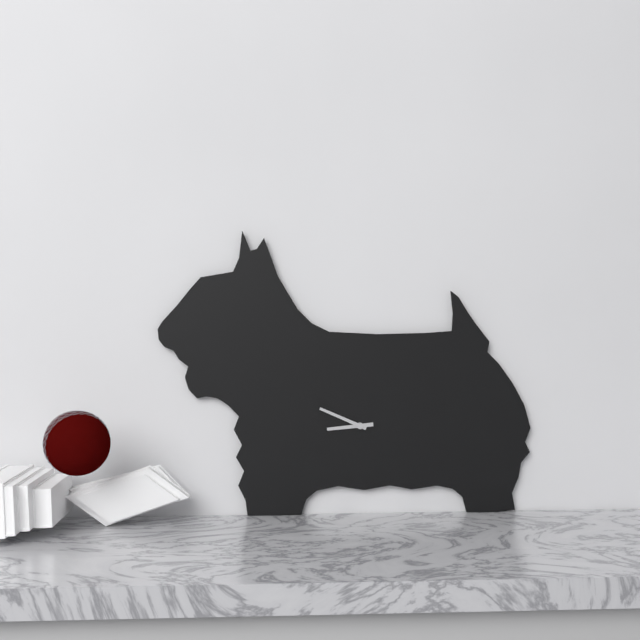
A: 8:49
